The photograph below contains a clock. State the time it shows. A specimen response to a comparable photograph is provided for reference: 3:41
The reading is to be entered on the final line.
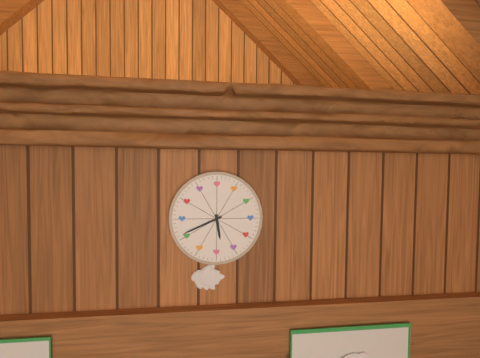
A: 5:41
